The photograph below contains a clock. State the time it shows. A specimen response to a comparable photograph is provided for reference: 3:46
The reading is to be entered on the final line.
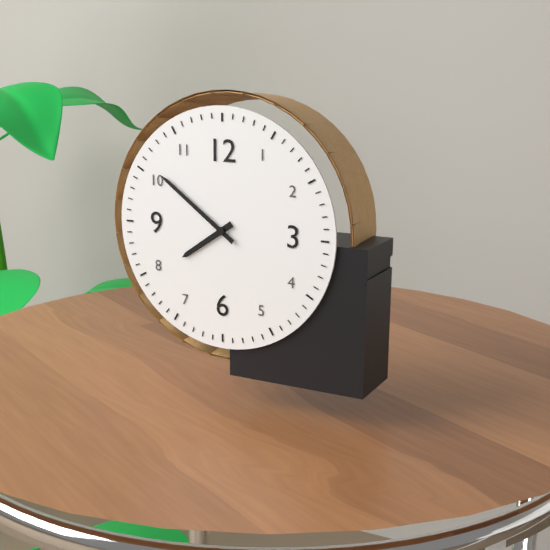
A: 7:51
